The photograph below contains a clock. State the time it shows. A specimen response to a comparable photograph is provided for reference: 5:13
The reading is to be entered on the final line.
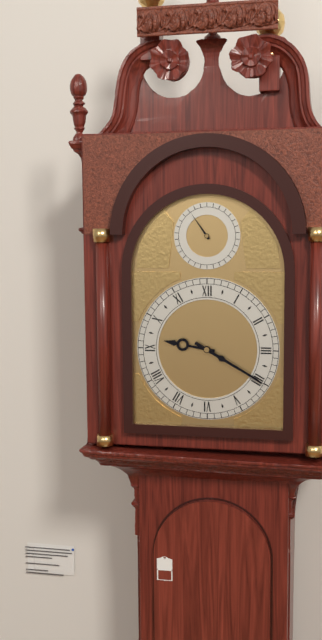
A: 9:20
